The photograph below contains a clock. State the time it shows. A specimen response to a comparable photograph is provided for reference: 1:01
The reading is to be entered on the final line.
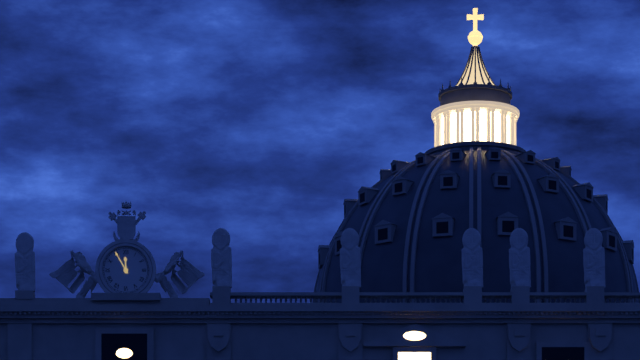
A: 11:55
